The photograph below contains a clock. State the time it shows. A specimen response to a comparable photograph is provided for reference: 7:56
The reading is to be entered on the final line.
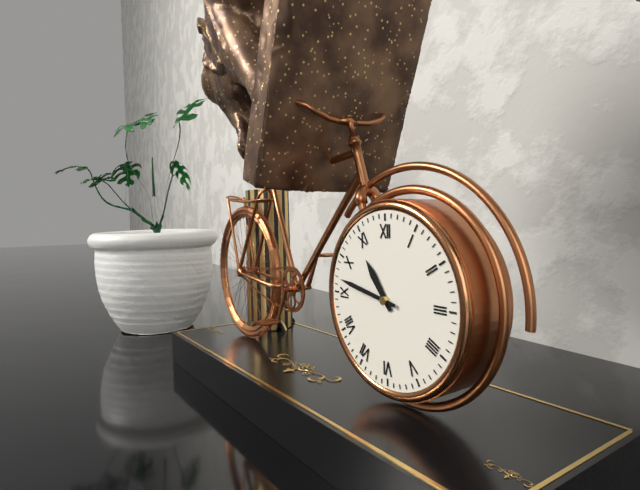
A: 10:47
